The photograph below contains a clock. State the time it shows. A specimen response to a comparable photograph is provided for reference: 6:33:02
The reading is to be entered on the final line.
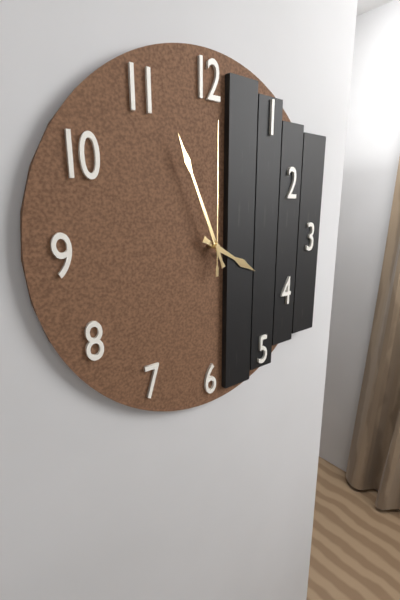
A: 3:56:00
